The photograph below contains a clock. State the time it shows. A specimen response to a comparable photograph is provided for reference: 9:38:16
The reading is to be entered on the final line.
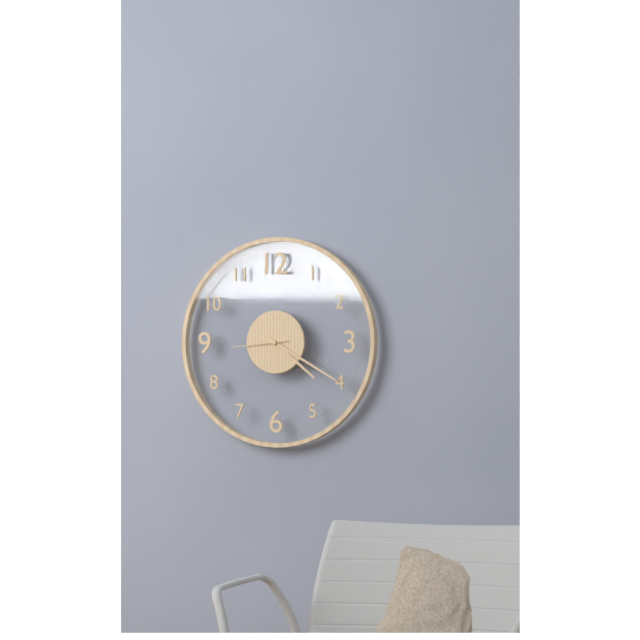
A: 4:20:44
